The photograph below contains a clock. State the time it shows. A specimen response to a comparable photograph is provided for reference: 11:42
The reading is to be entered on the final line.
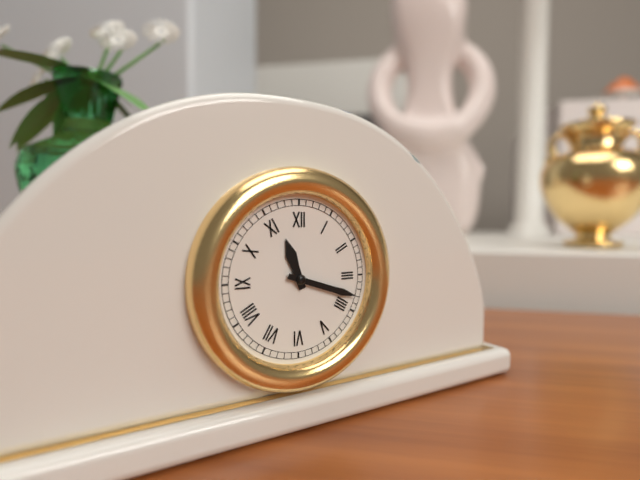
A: 11:18
